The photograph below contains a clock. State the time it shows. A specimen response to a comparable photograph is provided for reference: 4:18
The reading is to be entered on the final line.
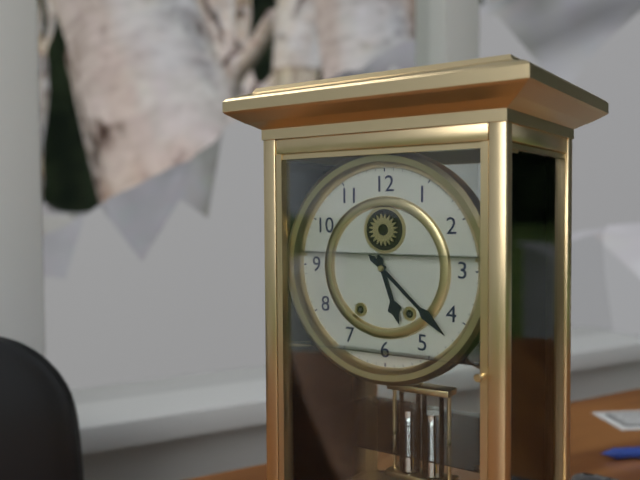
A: 5:22
